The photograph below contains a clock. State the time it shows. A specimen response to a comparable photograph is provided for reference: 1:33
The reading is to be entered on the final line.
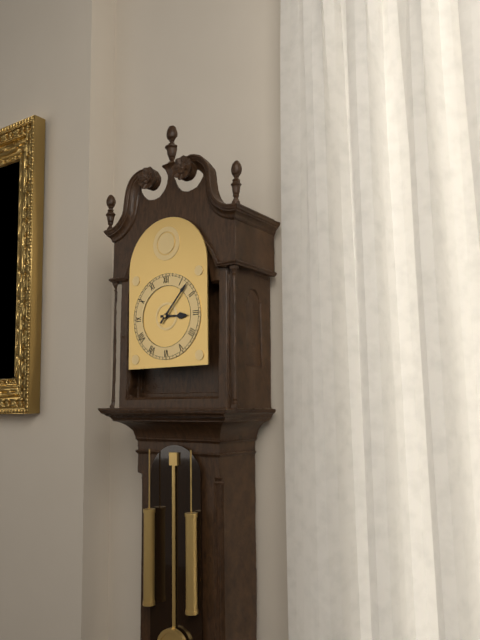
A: 3:07
